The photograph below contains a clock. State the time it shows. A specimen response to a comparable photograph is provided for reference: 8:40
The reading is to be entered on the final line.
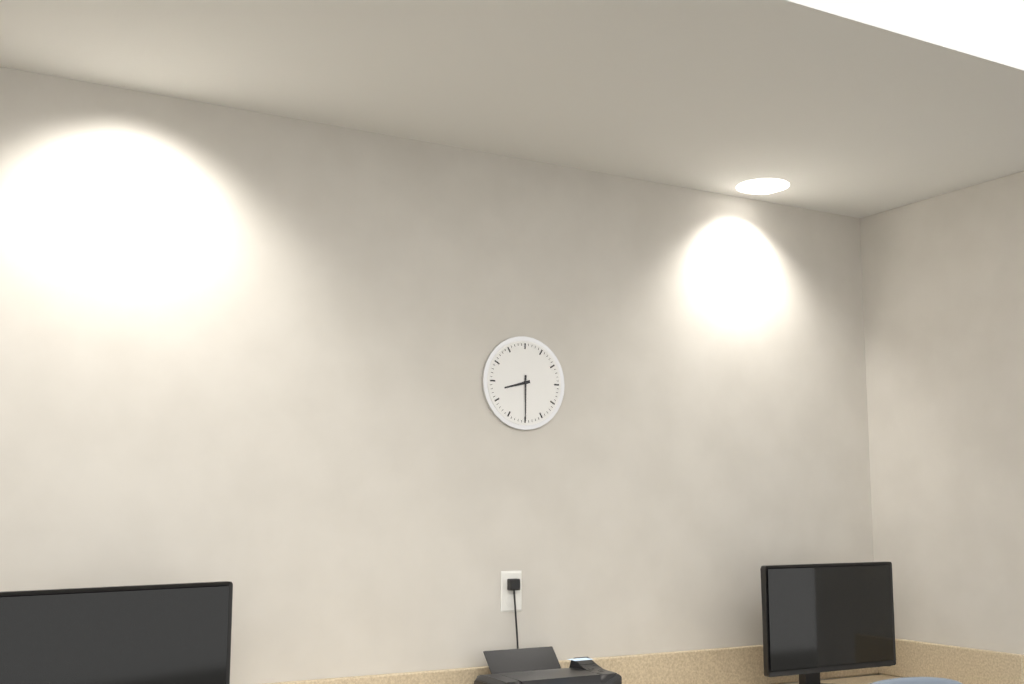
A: 8:30
